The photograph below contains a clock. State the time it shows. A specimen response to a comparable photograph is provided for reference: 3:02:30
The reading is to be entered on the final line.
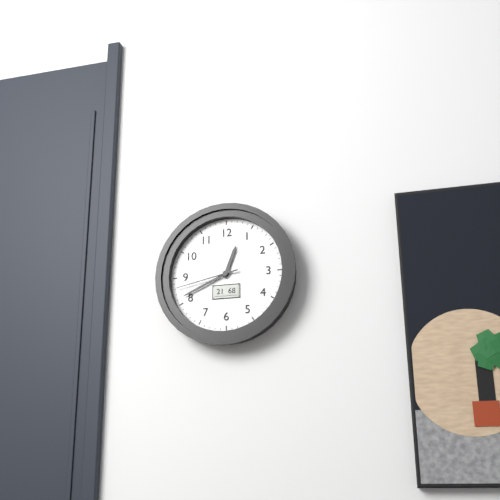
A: 12:41:43
